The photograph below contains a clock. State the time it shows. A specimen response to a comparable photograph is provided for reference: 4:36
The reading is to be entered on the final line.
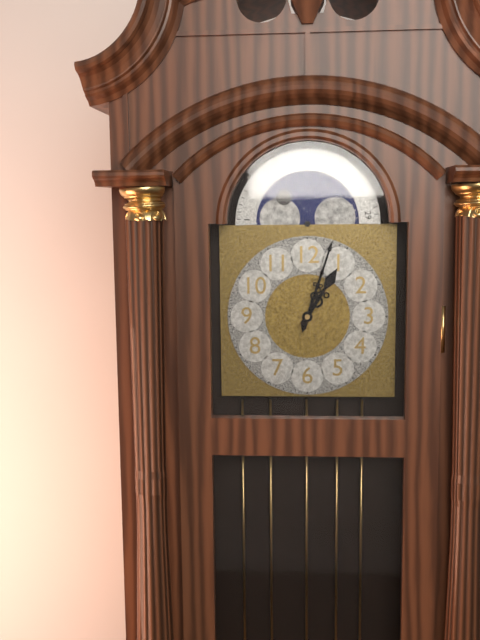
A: 1:03
